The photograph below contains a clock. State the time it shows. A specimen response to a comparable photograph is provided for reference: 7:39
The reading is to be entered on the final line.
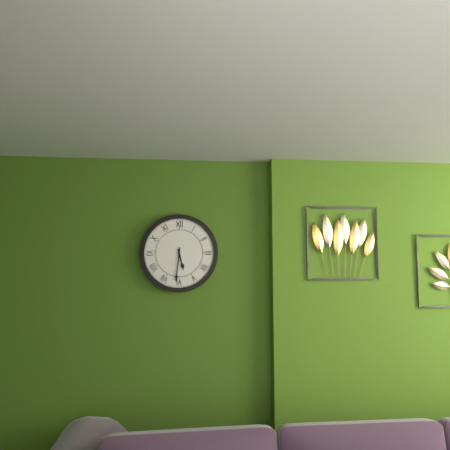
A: 5:31
